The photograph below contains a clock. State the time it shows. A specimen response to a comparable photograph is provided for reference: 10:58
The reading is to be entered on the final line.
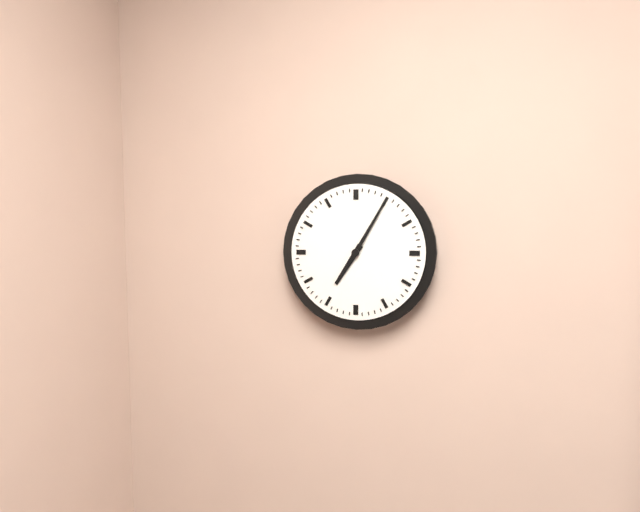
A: 7:05
